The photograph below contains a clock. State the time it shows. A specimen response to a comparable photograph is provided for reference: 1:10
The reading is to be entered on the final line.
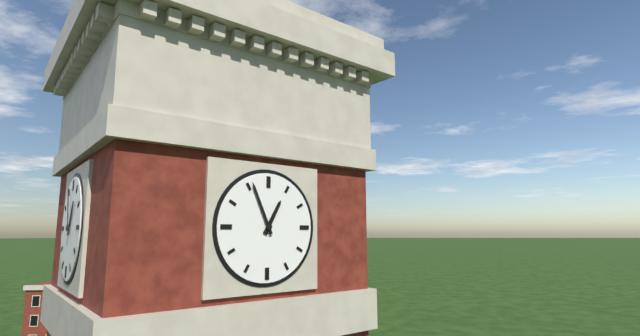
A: 12:56
